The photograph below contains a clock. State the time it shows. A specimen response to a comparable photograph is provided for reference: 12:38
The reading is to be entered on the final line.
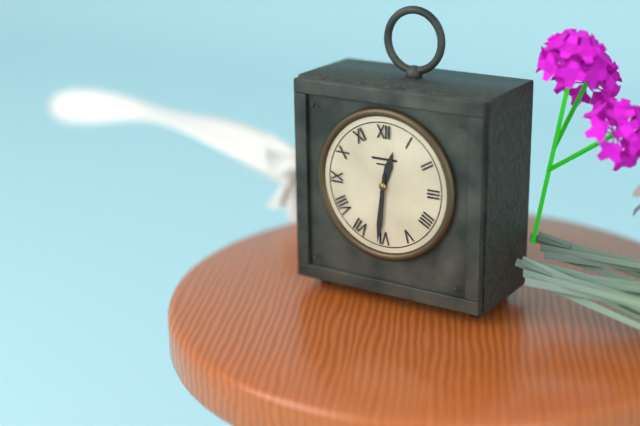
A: 12:31
